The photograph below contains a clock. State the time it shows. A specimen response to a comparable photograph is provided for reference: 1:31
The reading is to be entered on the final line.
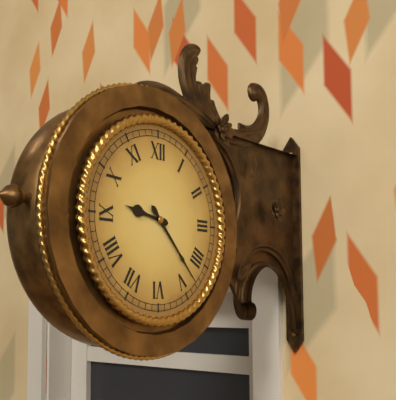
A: 9:23
